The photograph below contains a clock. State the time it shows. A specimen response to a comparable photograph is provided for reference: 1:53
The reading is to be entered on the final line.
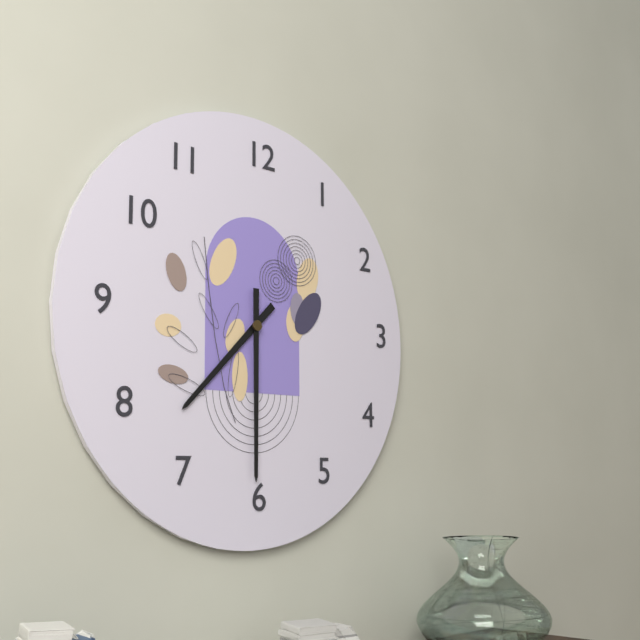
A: 7:30
